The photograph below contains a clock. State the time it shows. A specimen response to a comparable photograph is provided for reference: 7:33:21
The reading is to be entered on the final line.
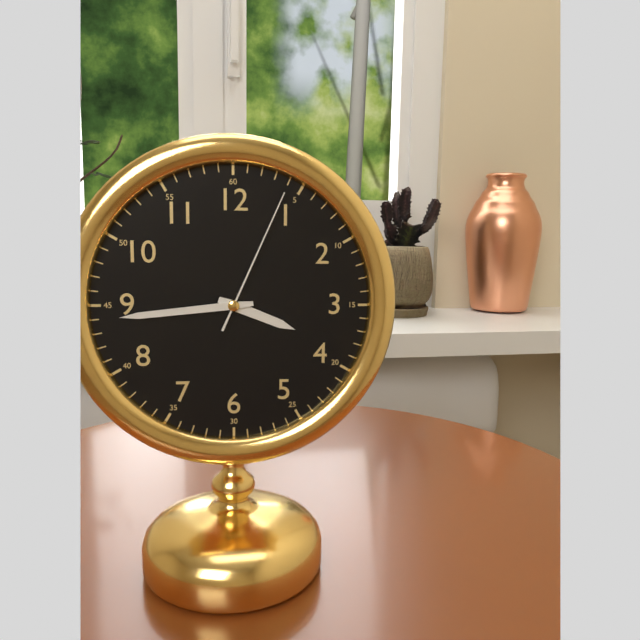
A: 3:44:04
